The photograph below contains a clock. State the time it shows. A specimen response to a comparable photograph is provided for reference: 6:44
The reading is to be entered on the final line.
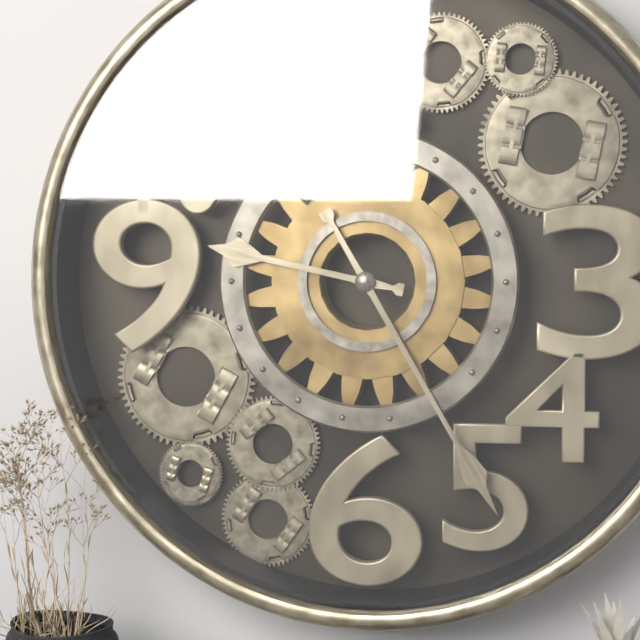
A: 9:25
